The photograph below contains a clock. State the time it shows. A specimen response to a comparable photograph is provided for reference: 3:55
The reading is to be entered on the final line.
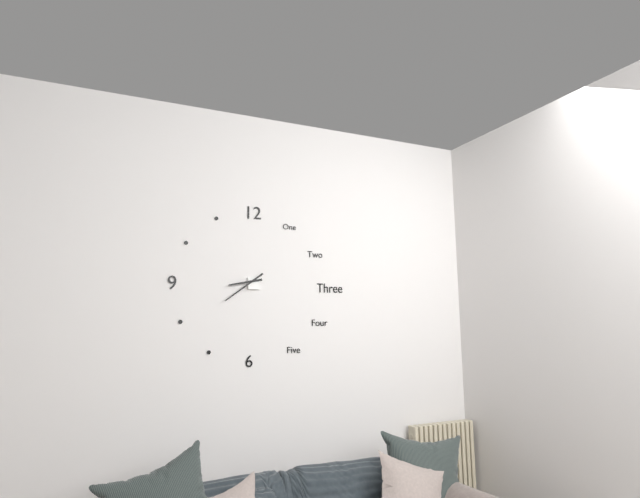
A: 8:39
